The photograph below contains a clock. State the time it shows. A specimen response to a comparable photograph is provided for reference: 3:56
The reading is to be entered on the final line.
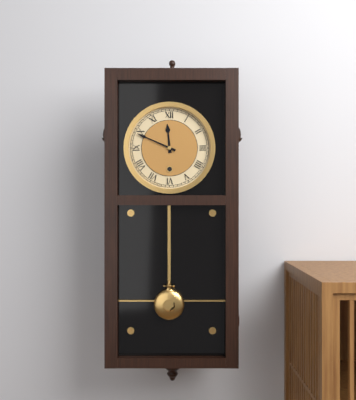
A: 11:49
